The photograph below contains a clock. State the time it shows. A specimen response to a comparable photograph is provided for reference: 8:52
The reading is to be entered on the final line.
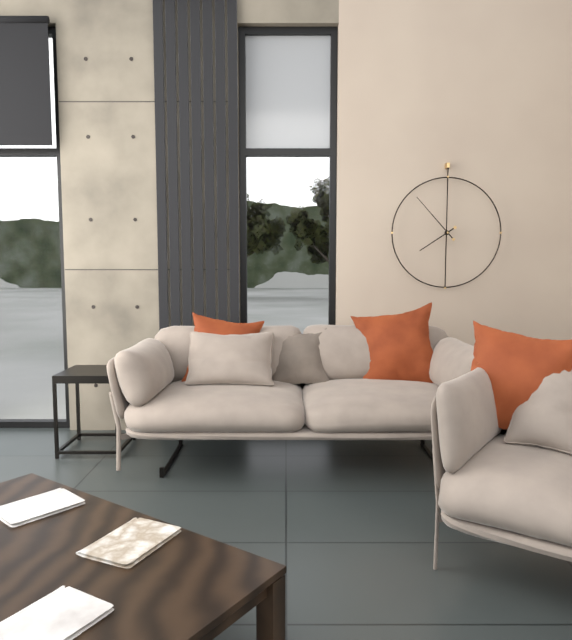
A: 7:53
